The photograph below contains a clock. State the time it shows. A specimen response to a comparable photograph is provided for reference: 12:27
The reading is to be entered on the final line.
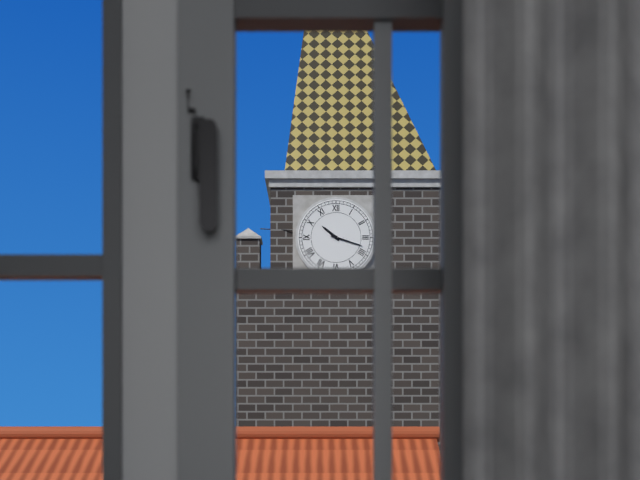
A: 10:18
